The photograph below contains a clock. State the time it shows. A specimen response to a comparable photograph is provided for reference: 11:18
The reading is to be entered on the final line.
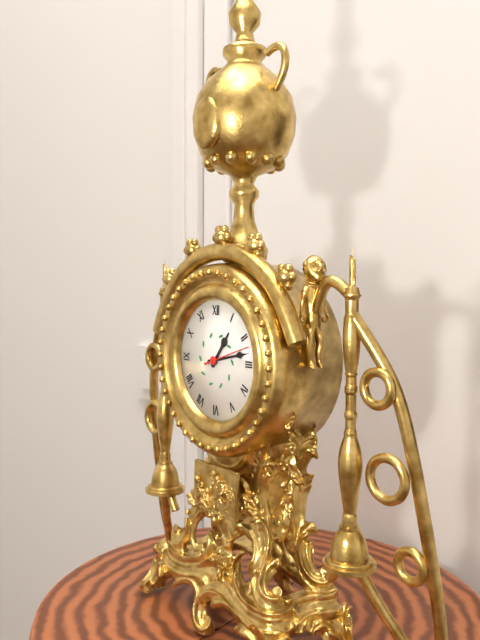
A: 1:13
